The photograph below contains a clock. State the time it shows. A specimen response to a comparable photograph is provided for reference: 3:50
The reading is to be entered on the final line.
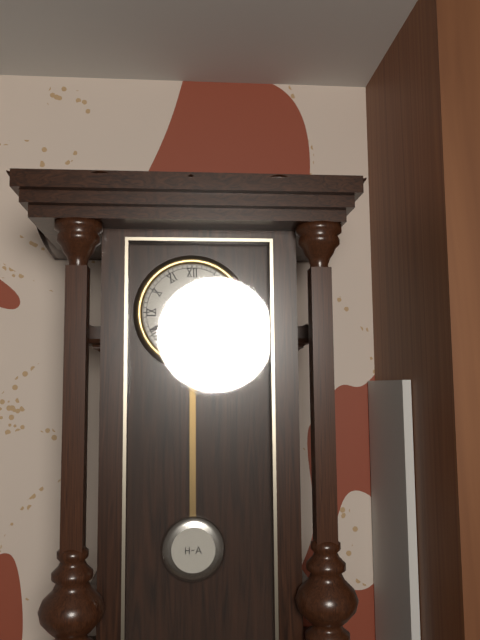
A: 4:41
